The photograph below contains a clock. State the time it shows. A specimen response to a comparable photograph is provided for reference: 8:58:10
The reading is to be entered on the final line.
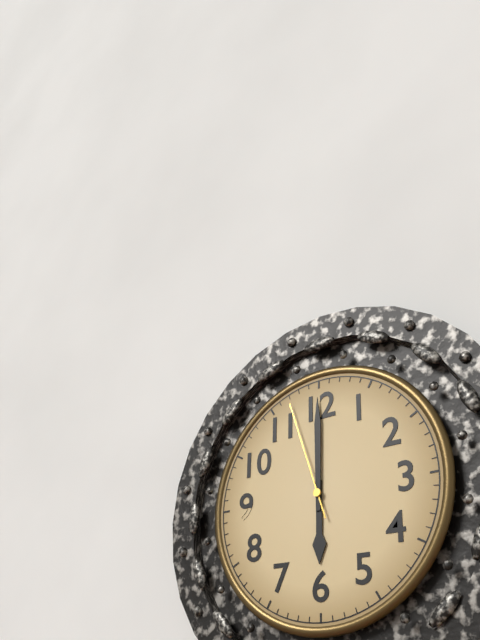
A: 6:00:57
